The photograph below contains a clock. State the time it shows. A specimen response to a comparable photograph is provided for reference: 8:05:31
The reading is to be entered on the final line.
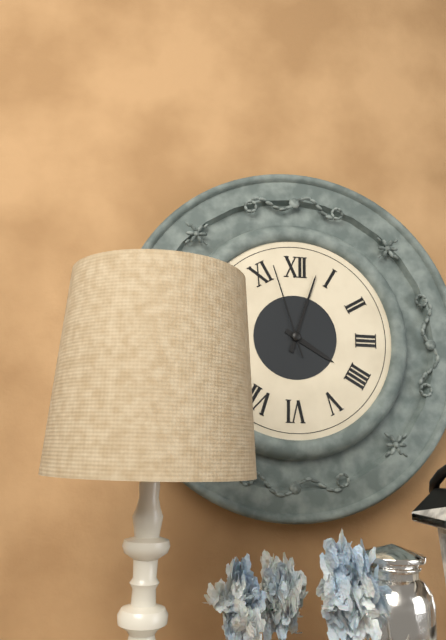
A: 4:03:57
